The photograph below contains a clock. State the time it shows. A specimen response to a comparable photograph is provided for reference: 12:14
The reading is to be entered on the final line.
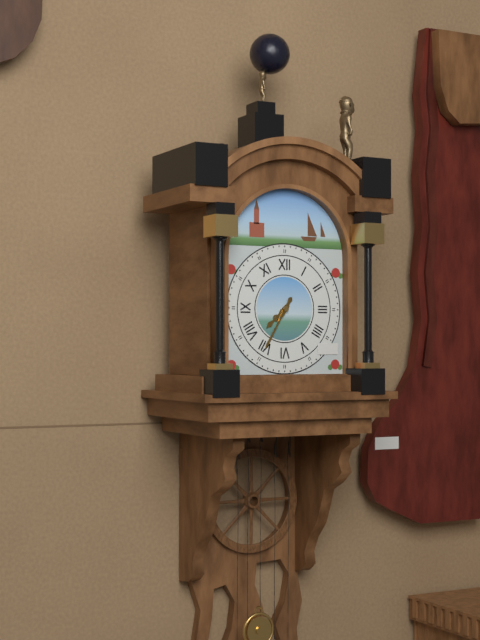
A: 7:35
